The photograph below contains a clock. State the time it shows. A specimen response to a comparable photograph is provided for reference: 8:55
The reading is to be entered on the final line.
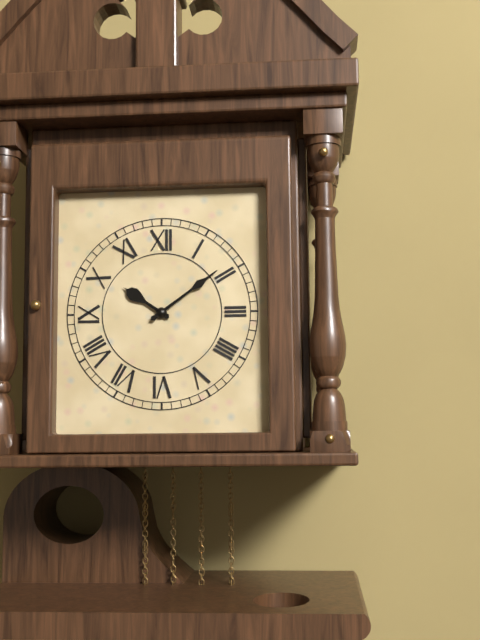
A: 10:09
